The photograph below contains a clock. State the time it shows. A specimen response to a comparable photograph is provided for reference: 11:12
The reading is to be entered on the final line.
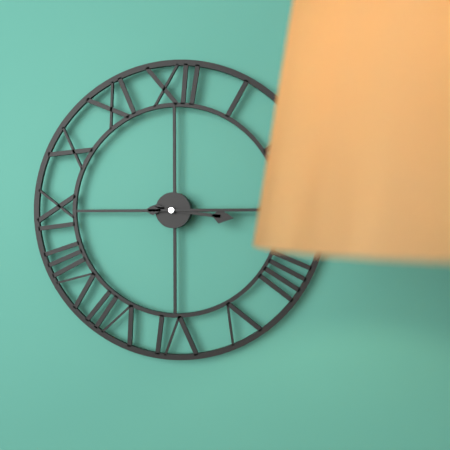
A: 3:15
